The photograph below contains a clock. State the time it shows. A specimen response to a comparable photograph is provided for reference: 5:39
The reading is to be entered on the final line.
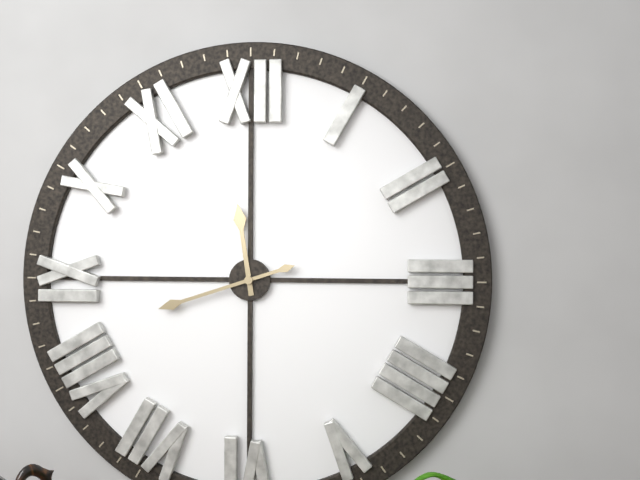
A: 11:42
